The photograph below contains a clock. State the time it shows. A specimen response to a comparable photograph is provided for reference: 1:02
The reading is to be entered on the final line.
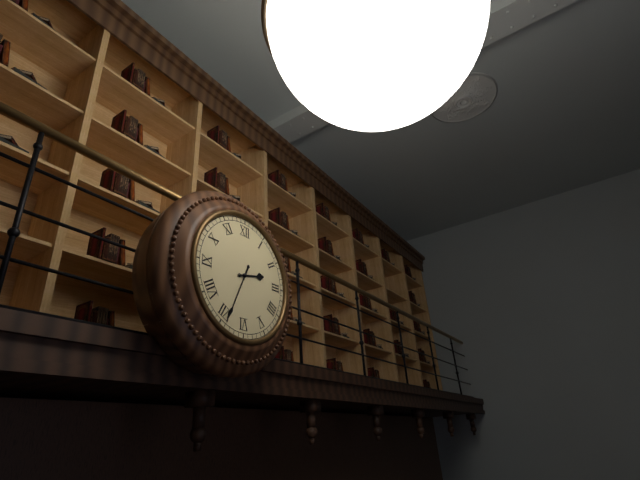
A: 2:34
